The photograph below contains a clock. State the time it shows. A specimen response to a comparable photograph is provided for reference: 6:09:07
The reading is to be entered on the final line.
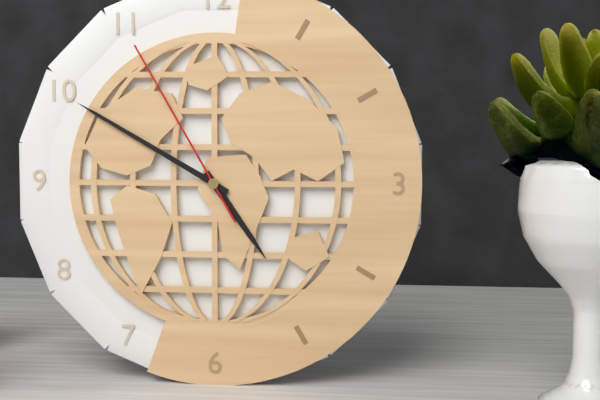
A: 4:50:55
